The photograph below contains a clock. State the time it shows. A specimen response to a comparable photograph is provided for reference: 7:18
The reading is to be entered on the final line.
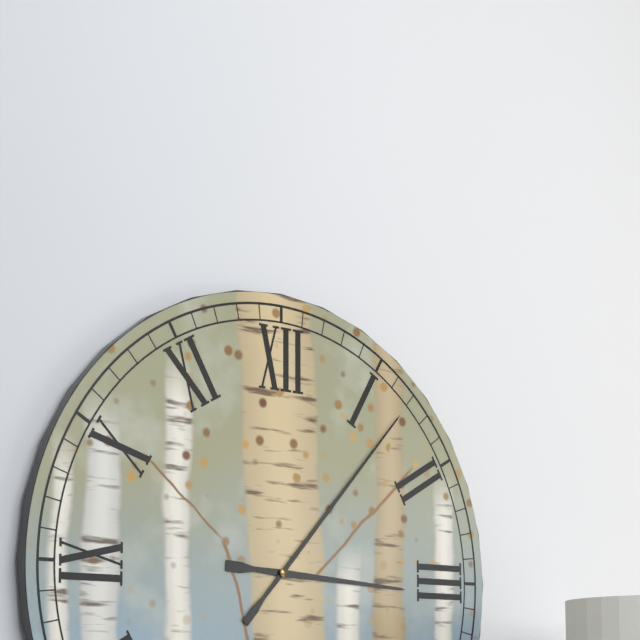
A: 3:07
